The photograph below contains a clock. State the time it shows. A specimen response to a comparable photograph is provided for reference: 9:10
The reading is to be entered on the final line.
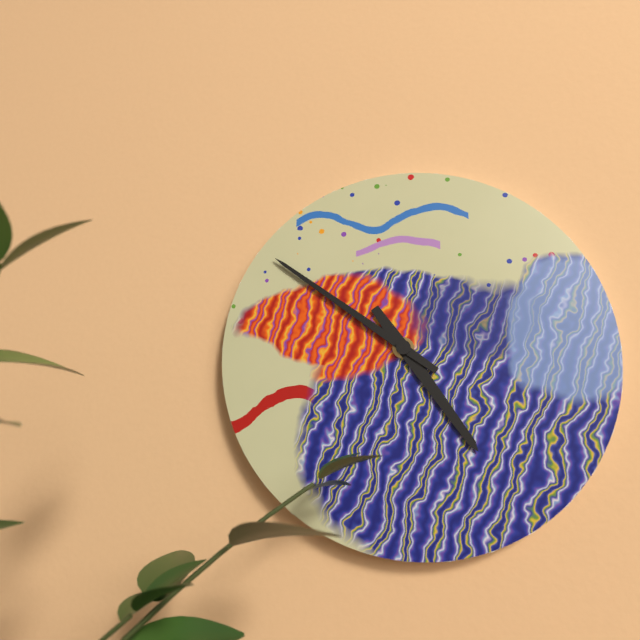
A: 4:51
